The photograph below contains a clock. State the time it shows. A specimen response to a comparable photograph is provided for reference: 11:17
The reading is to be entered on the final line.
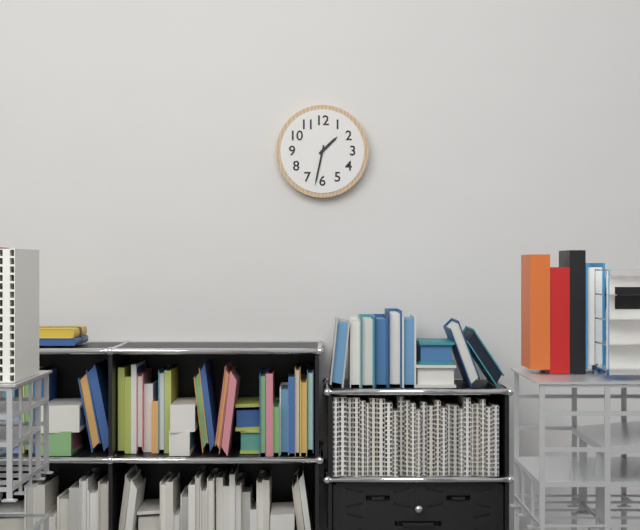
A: 1:32
